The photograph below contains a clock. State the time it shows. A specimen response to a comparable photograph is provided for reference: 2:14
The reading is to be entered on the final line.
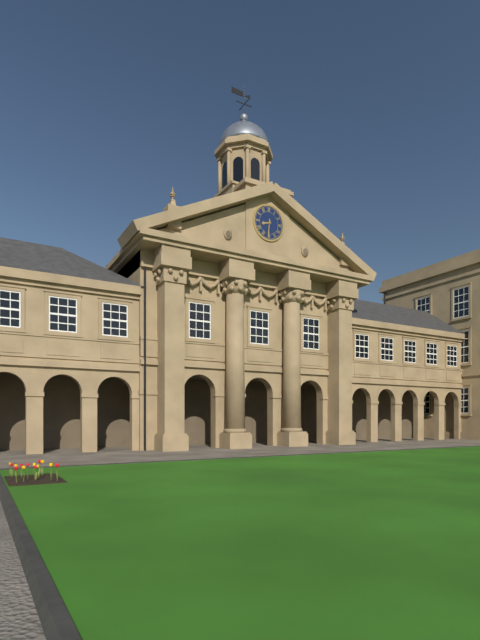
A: 8:31
